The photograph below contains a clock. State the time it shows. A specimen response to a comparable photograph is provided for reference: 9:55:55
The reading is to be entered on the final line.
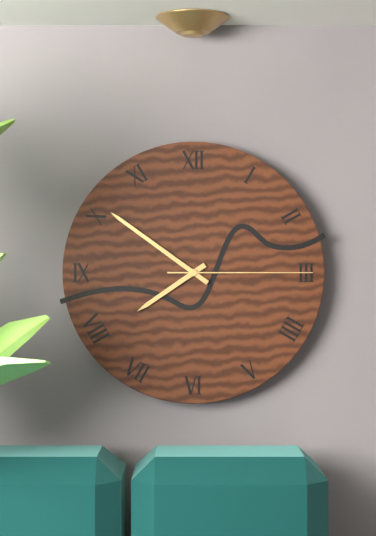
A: 7:51:15
